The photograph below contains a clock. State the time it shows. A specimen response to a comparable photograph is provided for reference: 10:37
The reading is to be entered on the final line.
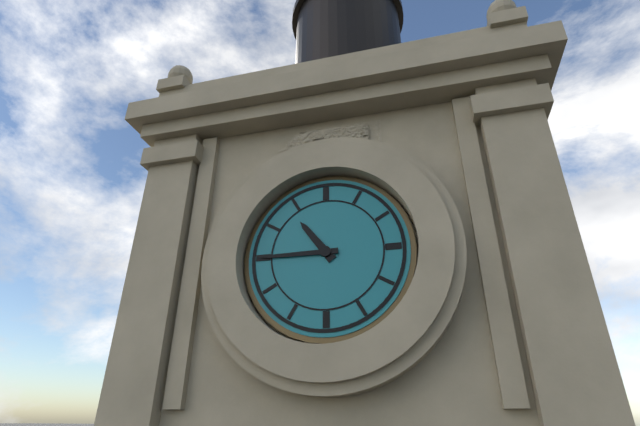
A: 10:45
